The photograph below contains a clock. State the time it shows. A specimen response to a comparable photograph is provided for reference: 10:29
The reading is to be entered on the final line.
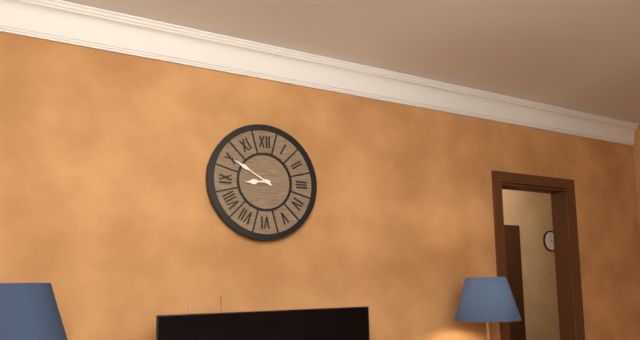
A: 8:50
